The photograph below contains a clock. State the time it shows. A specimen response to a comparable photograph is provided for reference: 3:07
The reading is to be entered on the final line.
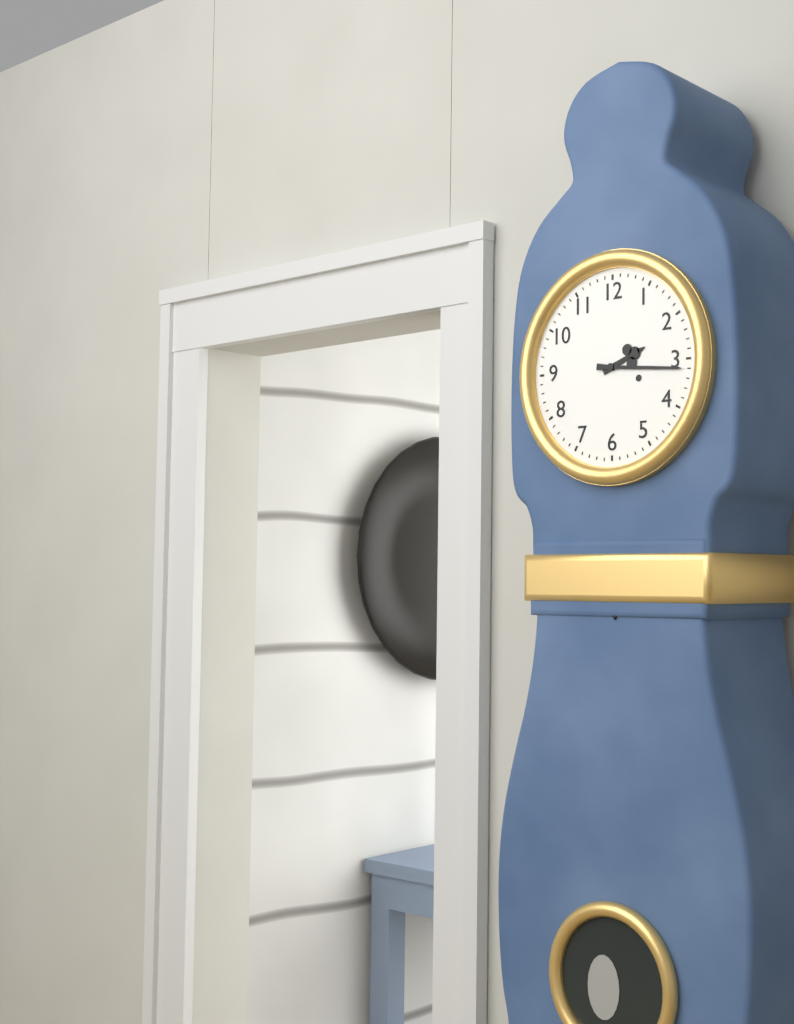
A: 2:16
